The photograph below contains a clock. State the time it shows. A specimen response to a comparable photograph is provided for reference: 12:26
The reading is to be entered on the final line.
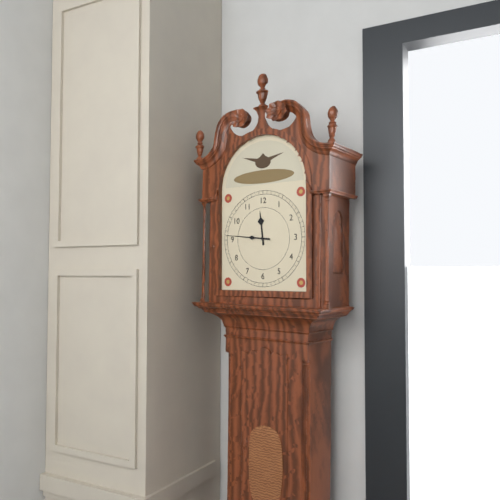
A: 11:46
